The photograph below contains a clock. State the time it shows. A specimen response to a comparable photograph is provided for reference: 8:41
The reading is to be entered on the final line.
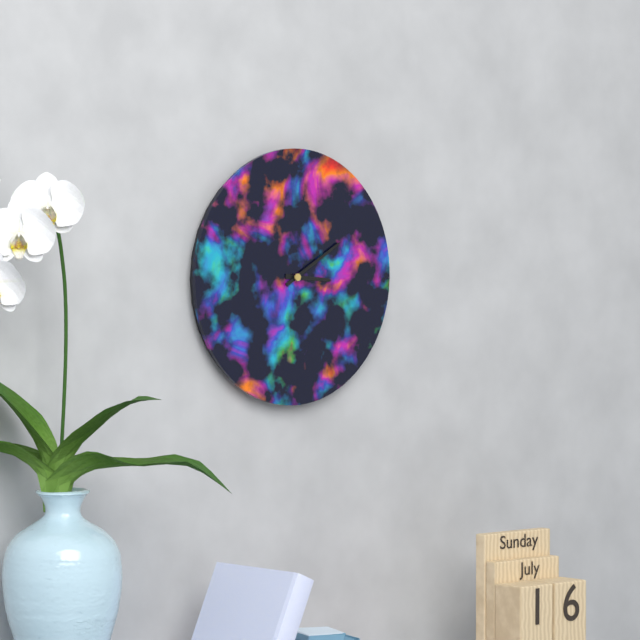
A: 3:10
